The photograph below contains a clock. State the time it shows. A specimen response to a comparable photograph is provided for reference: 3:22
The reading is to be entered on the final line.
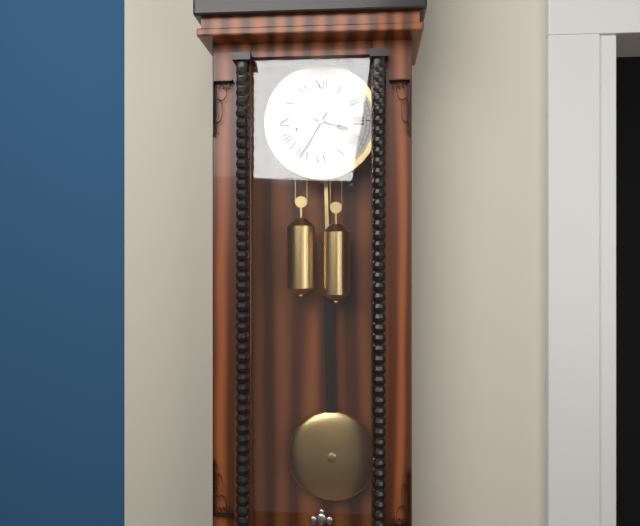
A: 3:35
